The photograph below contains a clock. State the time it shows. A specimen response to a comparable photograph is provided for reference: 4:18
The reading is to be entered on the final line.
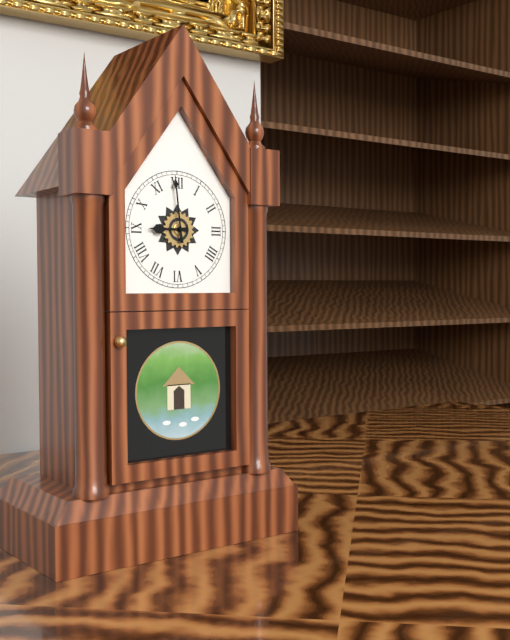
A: 8:59
